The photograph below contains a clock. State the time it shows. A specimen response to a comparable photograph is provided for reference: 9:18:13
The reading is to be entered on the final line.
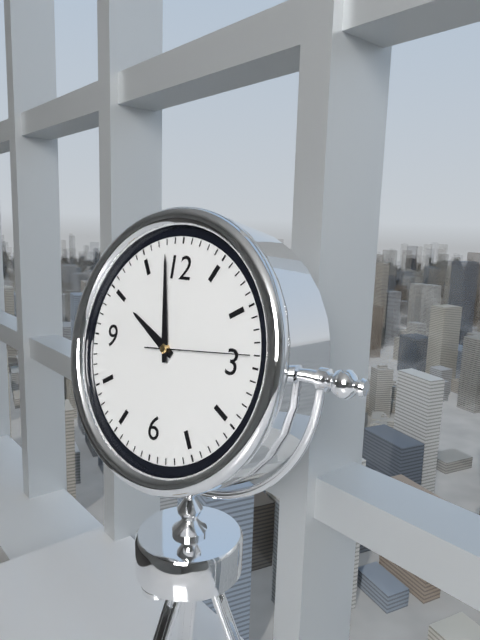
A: 9:58:14
